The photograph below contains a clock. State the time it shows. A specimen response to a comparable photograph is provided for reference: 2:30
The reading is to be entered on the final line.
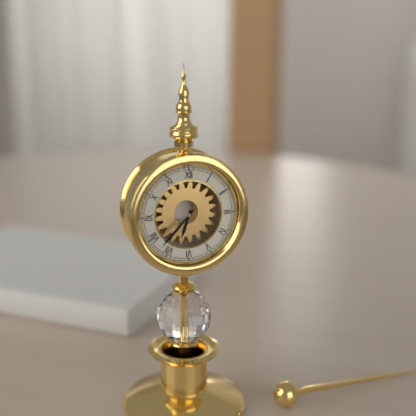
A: 6:37
